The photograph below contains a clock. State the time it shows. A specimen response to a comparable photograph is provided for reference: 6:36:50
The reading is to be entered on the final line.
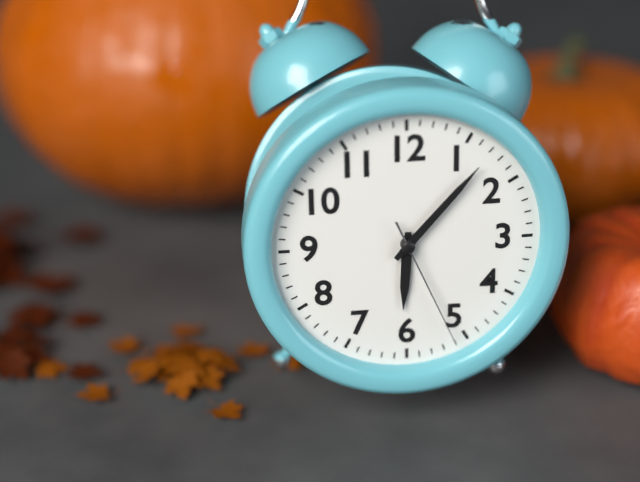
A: 6:07:26
